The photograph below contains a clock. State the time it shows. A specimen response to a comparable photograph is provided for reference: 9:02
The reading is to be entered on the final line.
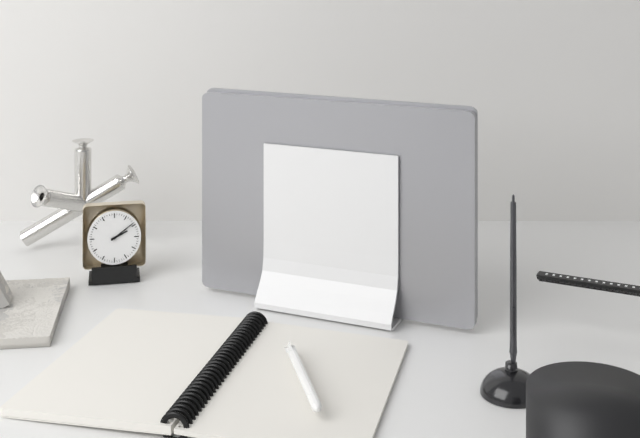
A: 2:09
